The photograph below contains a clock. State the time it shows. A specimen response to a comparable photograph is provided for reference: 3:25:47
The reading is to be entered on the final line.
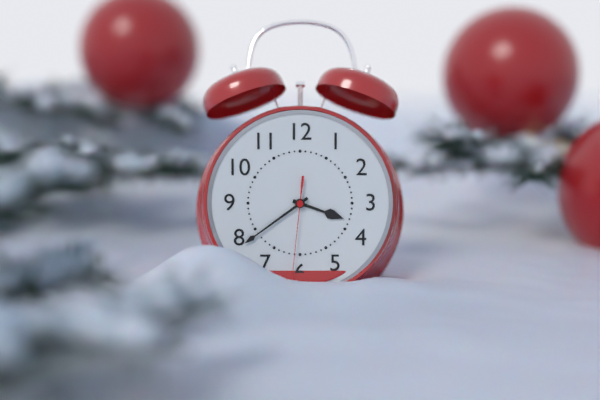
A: 3:39:31
